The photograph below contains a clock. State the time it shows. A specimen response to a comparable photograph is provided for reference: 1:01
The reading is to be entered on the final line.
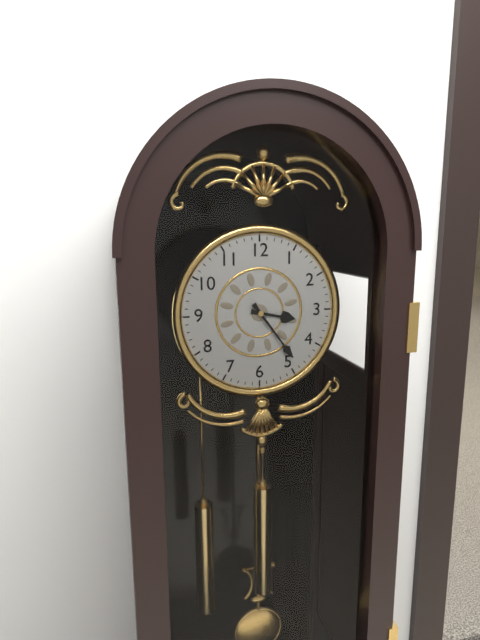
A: 3:24
